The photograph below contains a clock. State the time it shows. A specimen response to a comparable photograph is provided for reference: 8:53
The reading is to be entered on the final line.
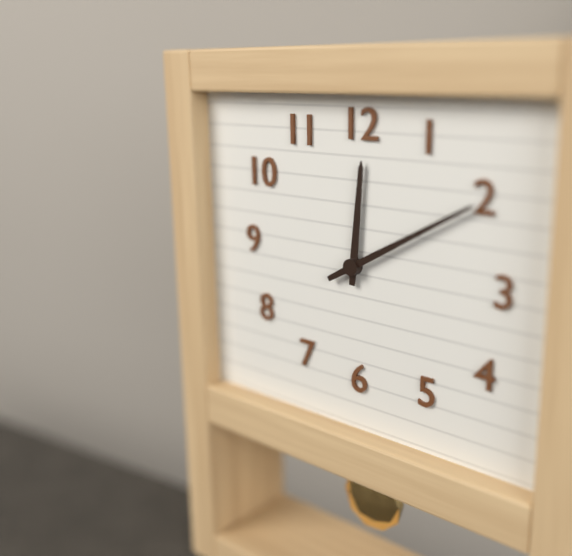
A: 12:10
